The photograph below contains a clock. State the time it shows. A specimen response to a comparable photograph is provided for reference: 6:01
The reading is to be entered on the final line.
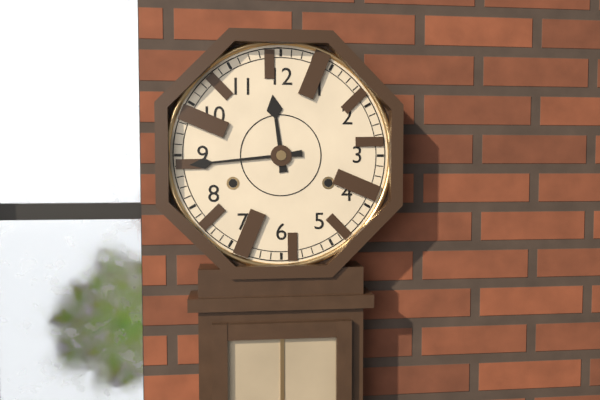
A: 11:44
